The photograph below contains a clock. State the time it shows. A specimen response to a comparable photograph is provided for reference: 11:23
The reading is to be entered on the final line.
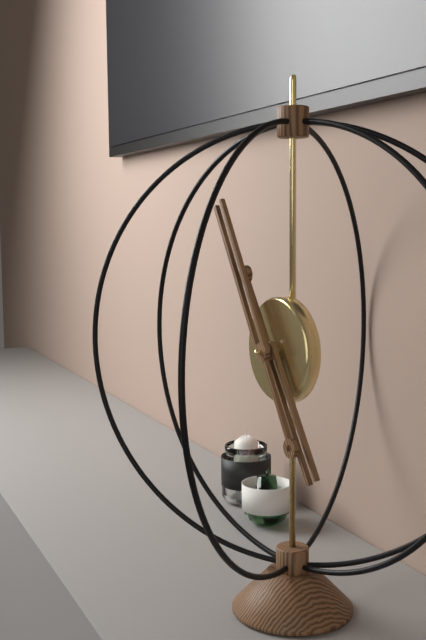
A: 4:55
